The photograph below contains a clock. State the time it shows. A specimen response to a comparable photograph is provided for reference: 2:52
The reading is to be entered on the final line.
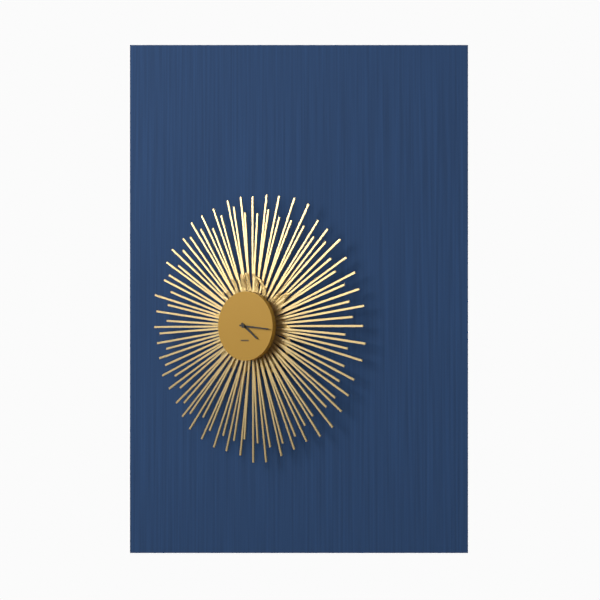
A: 4:16
